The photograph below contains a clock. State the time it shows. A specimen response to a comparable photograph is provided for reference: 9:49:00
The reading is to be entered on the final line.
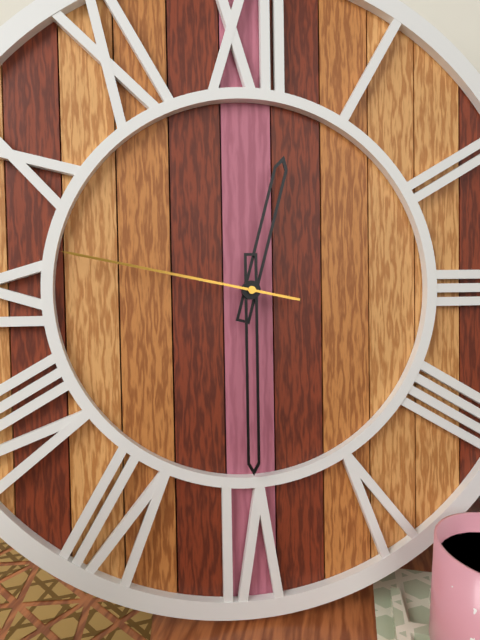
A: 12:30:47
